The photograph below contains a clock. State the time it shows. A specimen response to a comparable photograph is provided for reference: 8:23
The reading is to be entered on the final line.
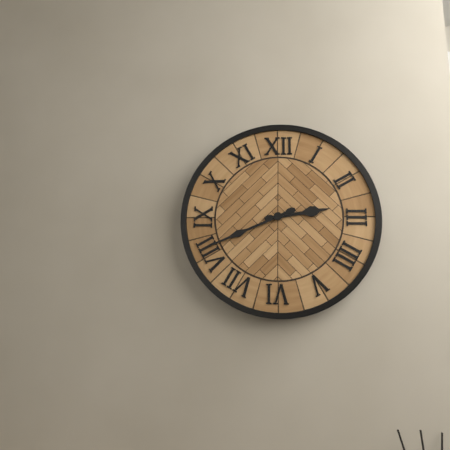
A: 2:41
